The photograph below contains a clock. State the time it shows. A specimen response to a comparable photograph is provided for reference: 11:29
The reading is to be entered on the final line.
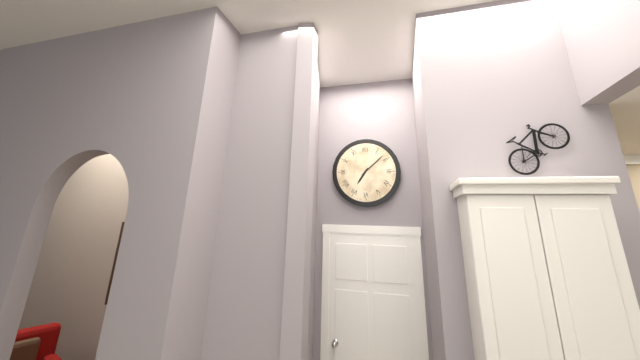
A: 7:08
